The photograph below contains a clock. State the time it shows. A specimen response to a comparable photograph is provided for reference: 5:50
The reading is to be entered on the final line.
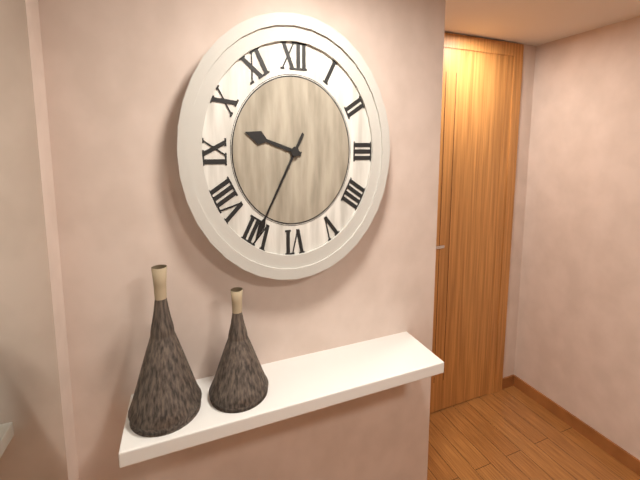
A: 9:35
